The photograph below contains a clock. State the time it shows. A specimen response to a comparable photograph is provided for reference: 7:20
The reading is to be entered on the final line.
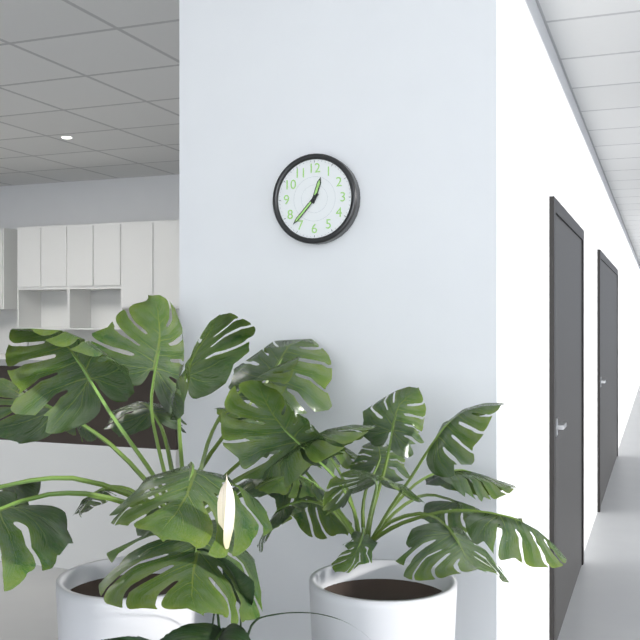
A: 12:37
